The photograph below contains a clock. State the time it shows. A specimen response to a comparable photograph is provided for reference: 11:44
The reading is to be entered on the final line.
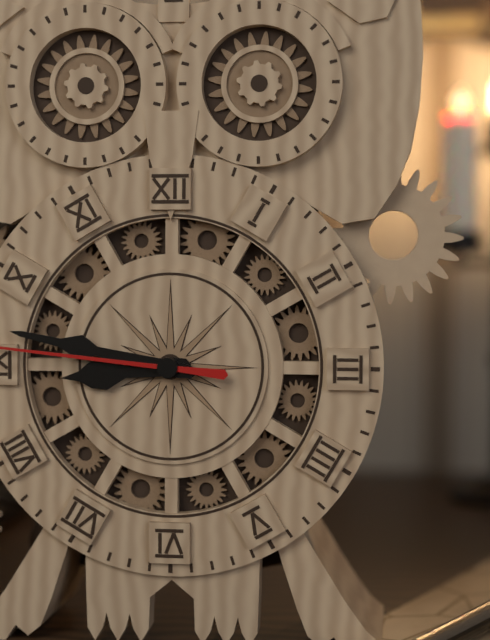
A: 8:47
